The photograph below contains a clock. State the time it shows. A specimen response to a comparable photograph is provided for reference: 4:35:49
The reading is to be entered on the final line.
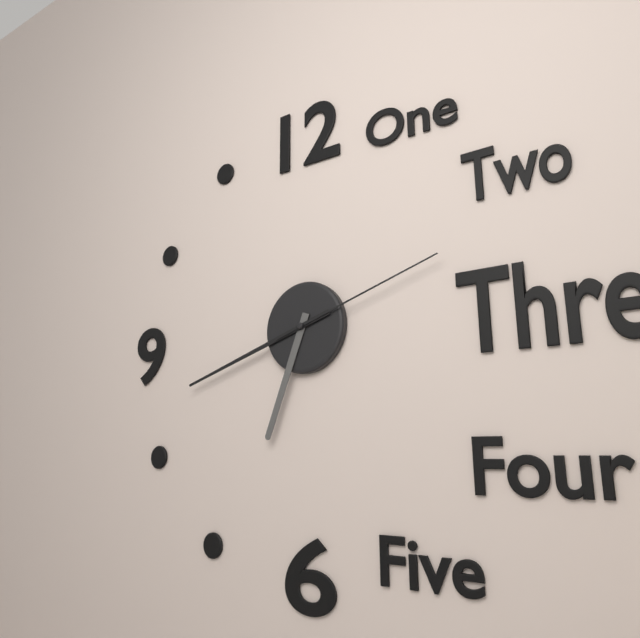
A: 6:42:12
